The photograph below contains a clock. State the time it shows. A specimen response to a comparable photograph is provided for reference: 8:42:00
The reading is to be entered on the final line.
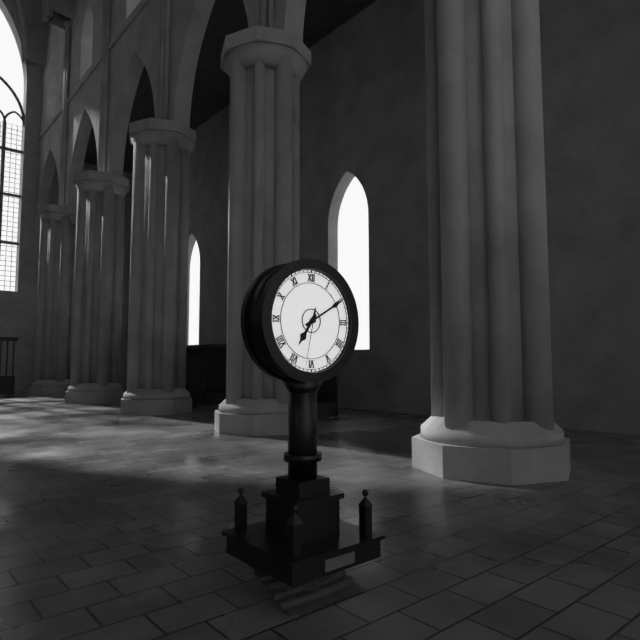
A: 7:10:32
